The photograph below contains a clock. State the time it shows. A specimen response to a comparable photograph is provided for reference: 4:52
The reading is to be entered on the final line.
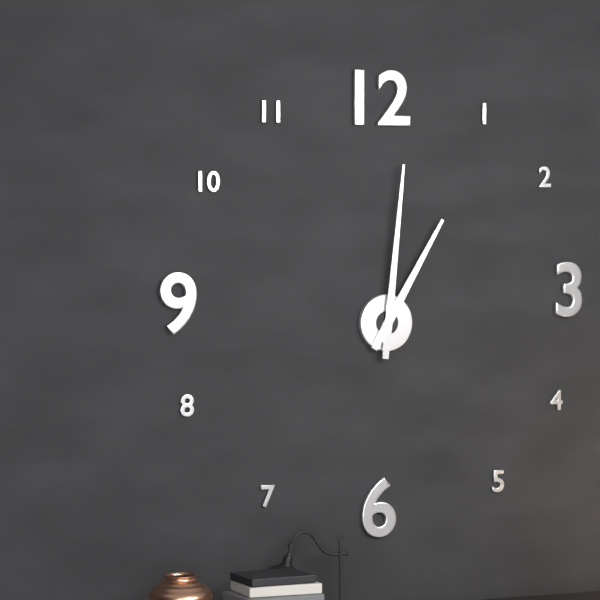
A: 1:01
